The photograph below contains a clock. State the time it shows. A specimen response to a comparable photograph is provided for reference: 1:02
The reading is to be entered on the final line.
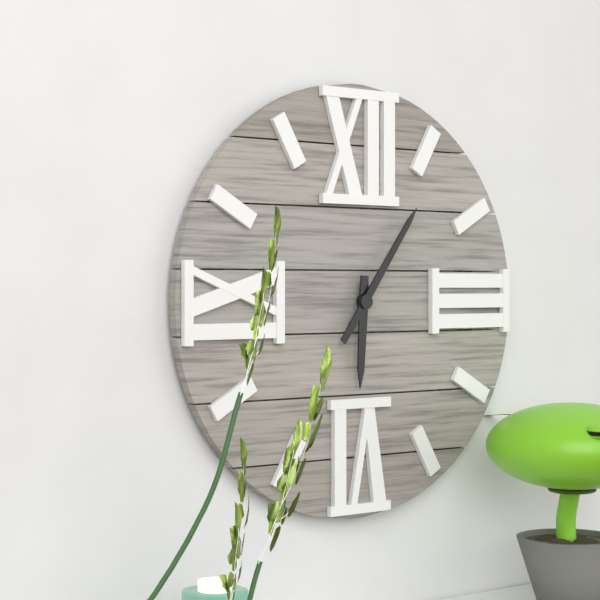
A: 6:06
